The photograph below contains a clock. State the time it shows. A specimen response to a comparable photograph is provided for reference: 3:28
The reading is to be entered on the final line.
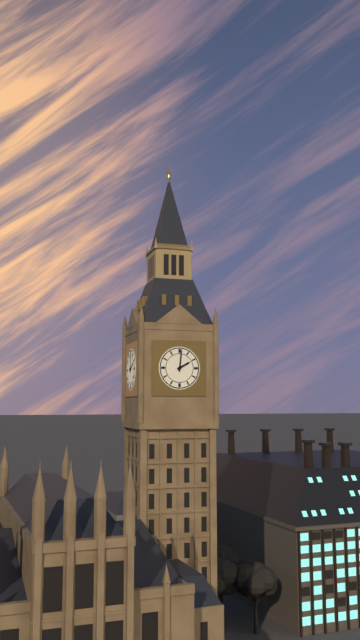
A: 2:01
